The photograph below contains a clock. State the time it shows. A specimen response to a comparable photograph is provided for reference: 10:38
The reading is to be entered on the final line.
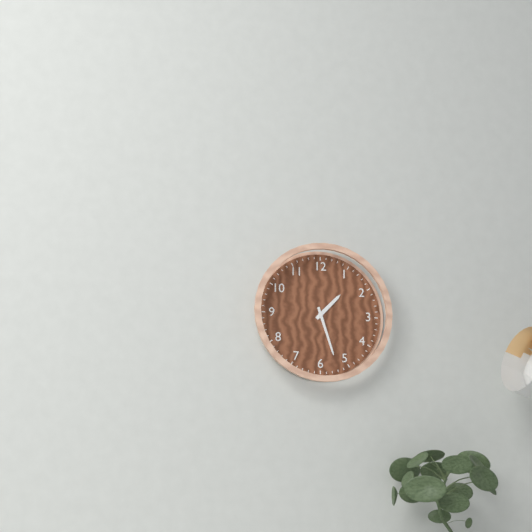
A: 1:27
